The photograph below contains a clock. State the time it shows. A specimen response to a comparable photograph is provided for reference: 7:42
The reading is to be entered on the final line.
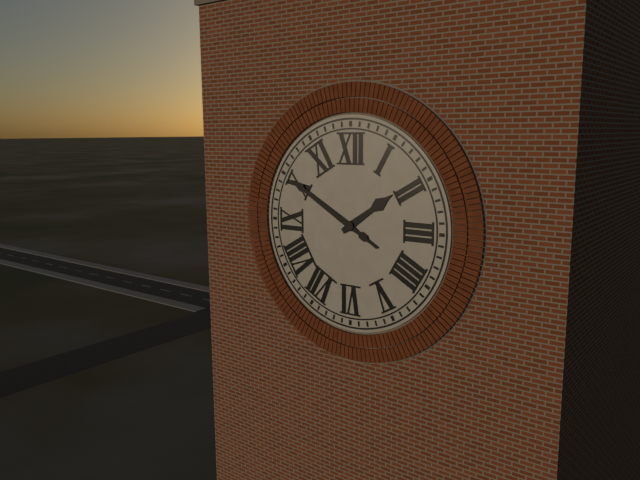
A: 1:50
